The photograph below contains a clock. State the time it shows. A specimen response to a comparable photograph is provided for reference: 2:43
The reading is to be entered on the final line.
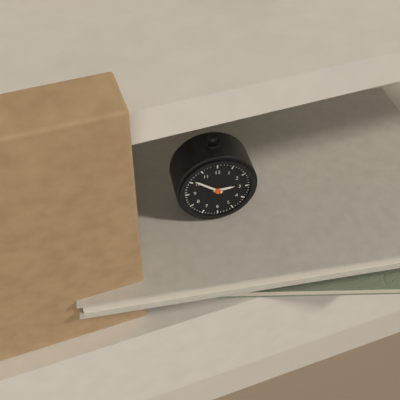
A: 2:51
